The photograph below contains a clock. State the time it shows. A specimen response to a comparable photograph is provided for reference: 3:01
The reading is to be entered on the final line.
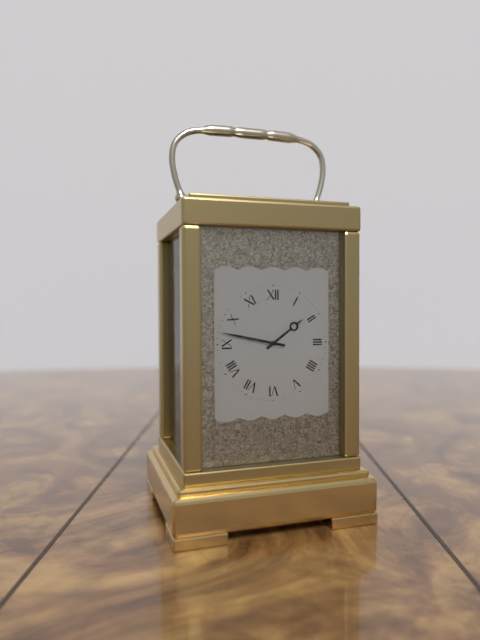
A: 1:47
